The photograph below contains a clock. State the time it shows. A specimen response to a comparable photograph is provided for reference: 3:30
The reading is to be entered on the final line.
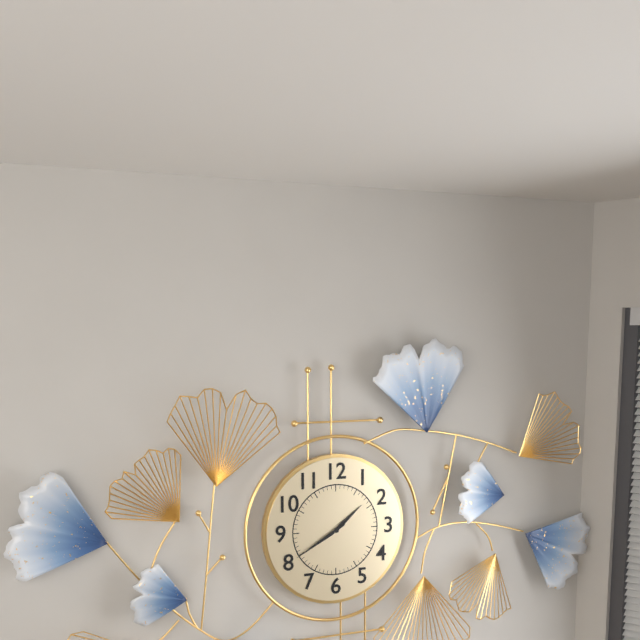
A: 1:40
